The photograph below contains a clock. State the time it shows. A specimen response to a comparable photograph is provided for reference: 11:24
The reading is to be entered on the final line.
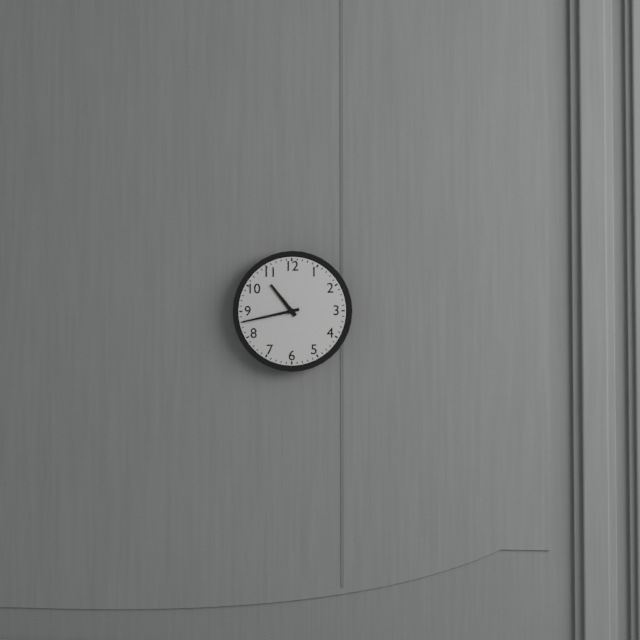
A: 10:43
